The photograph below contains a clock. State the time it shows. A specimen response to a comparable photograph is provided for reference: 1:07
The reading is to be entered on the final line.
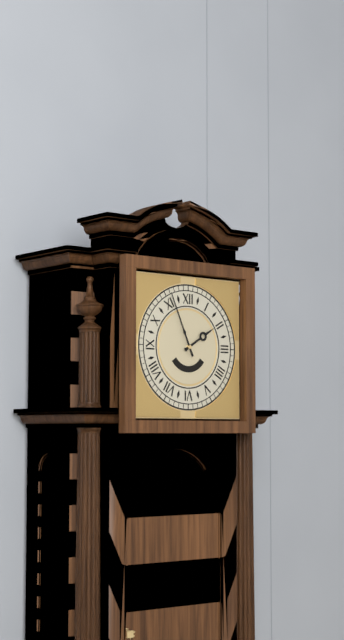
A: 1:56
